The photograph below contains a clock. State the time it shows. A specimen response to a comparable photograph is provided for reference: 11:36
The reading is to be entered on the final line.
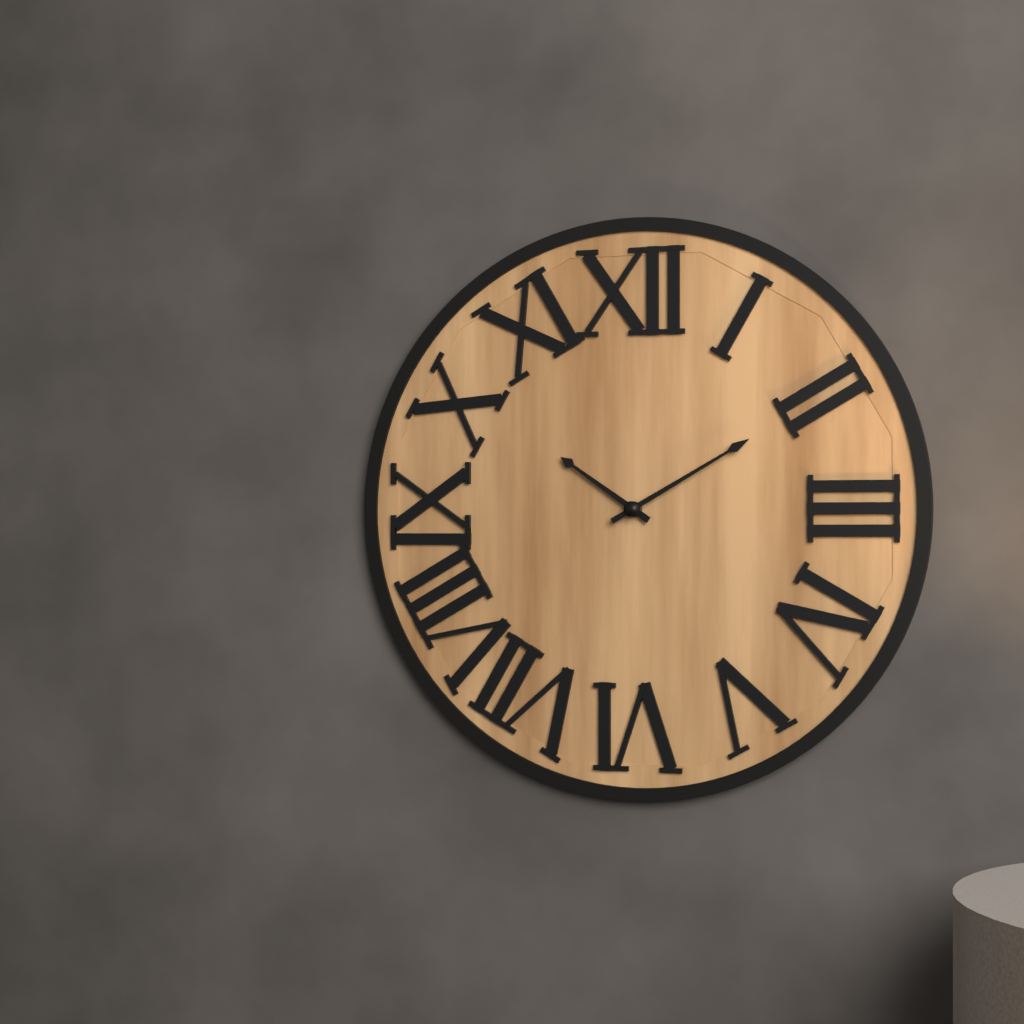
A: 10:10
